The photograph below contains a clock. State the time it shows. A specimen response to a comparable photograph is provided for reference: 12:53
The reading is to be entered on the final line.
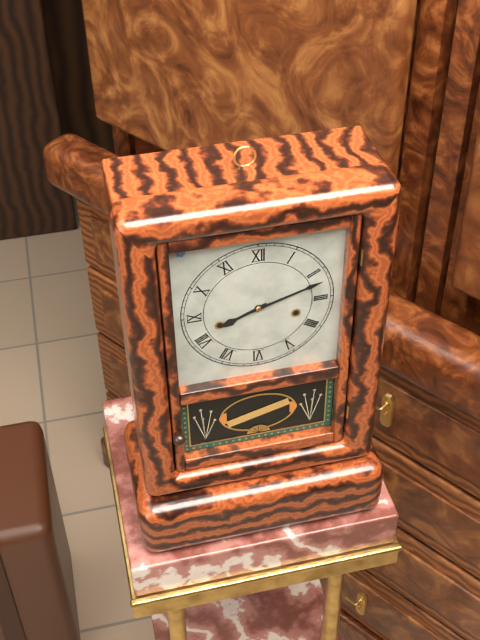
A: 8:12
